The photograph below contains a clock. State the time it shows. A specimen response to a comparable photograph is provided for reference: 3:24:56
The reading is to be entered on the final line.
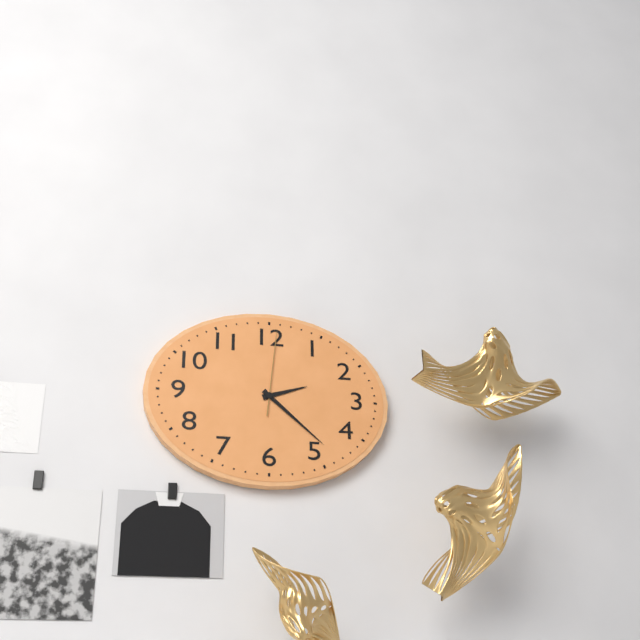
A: 2:22:01
